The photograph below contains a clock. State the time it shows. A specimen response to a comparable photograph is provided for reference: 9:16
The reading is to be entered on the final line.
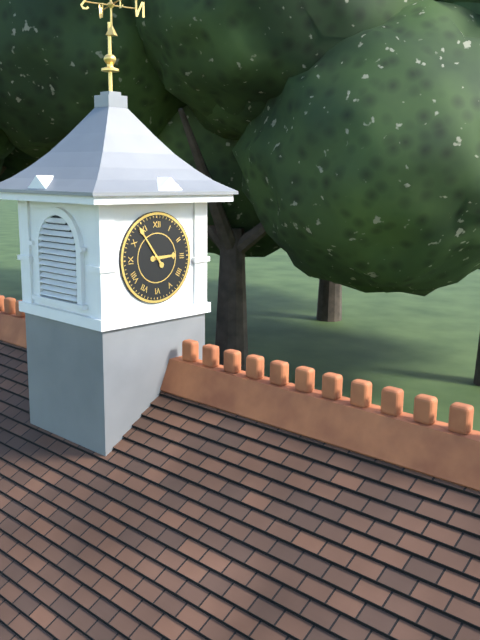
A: 2:54
